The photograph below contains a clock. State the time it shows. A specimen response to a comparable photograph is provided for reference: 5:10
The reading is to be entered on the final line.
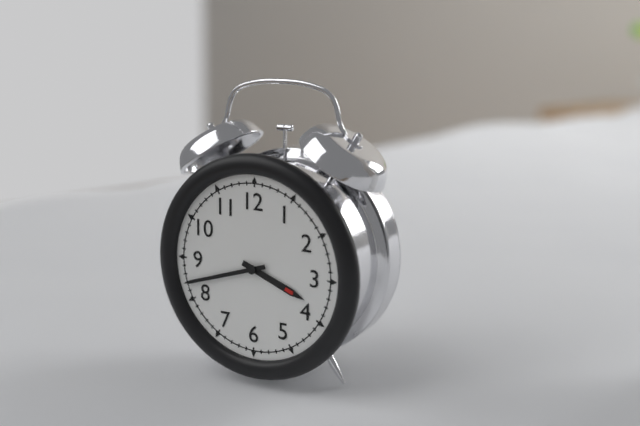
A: 3:42
